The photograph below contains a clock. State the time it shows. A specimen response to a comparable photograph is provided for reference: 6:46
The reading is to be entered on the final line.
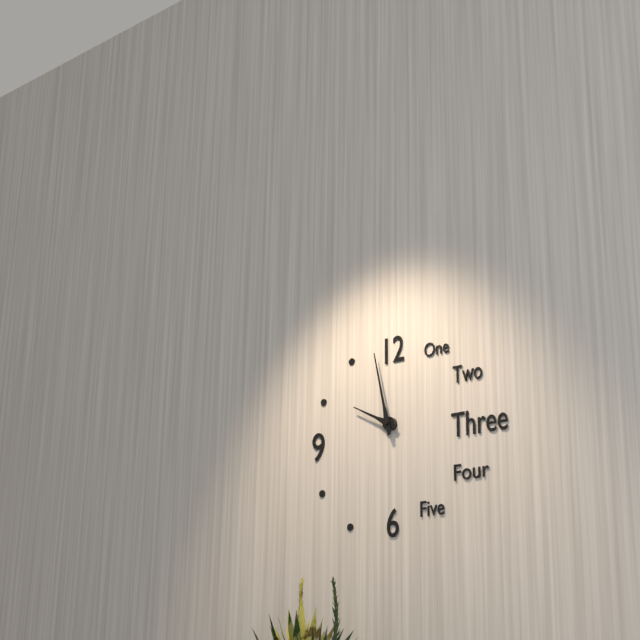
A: 9:58
